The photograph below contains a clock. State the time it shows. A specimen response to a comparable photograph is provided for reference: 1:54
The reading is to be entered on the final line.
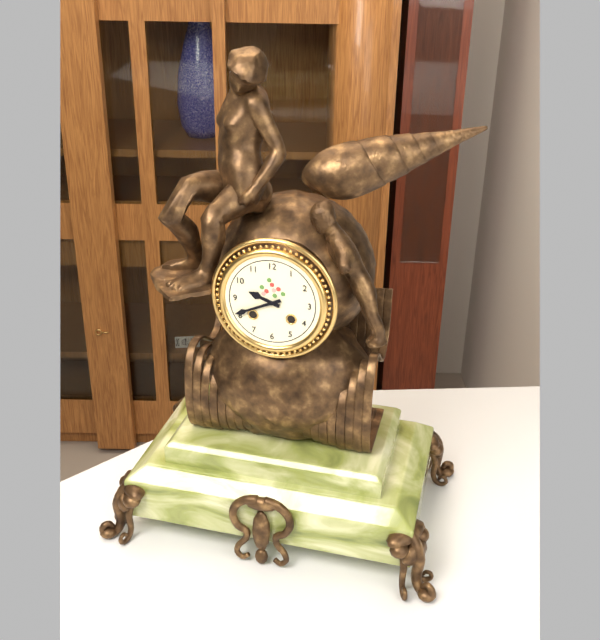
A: 9:41
